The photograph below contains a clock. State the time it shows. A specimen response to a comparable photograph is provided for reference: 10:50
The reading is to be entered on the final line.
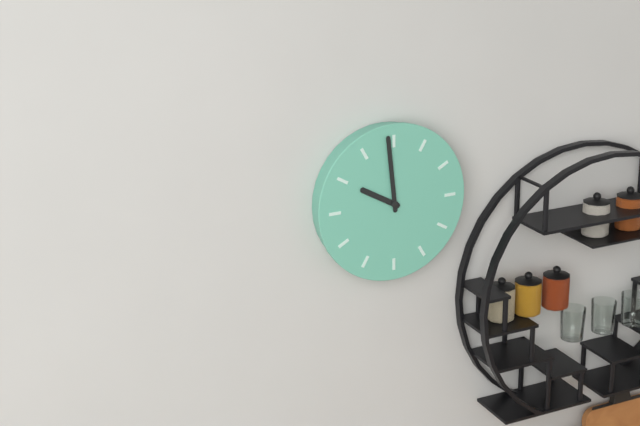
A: 9:59
